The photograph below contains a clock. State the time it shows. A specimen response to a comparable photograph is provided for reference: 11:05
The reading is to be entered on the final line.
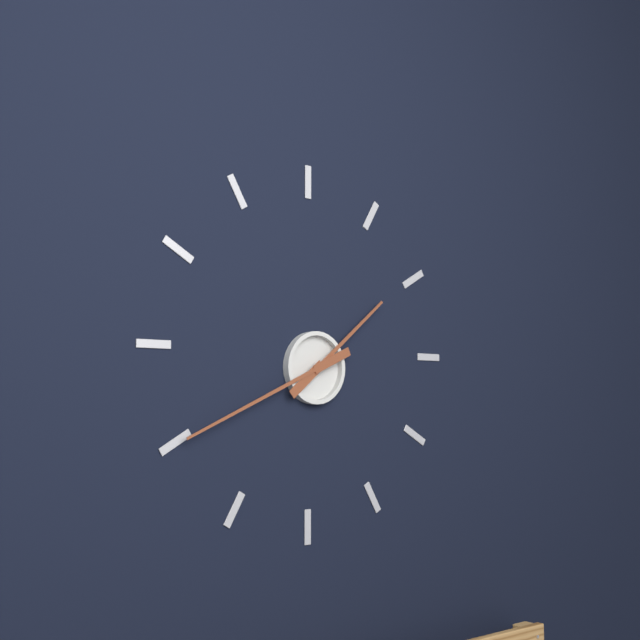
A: 1:41
